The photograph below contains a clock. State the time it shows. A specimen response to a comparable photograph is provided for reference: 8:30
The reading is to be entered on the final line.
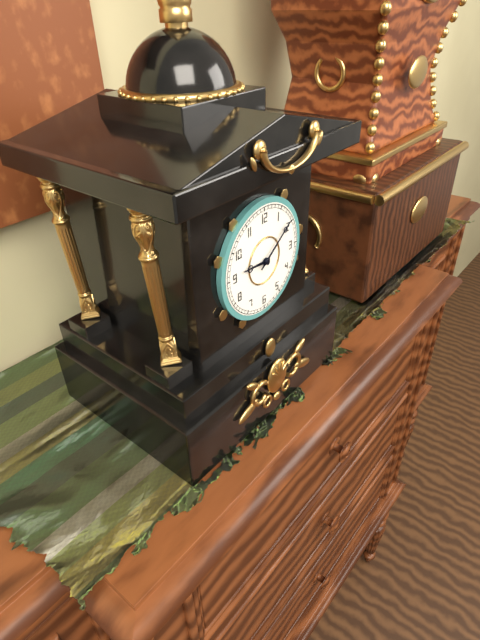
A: 9:09
